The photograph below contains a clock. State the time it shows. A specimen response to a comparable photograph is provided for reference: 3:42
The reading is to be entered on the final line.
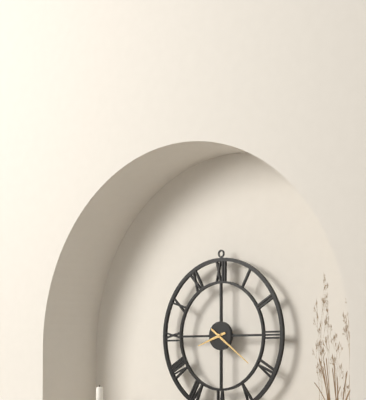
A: 8:21
